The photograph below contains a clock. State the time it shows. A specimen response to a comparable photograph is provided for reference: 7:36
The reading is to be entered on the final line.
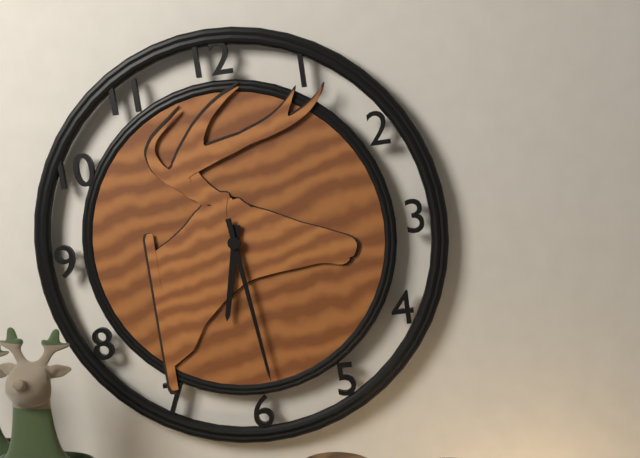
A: 6:29
